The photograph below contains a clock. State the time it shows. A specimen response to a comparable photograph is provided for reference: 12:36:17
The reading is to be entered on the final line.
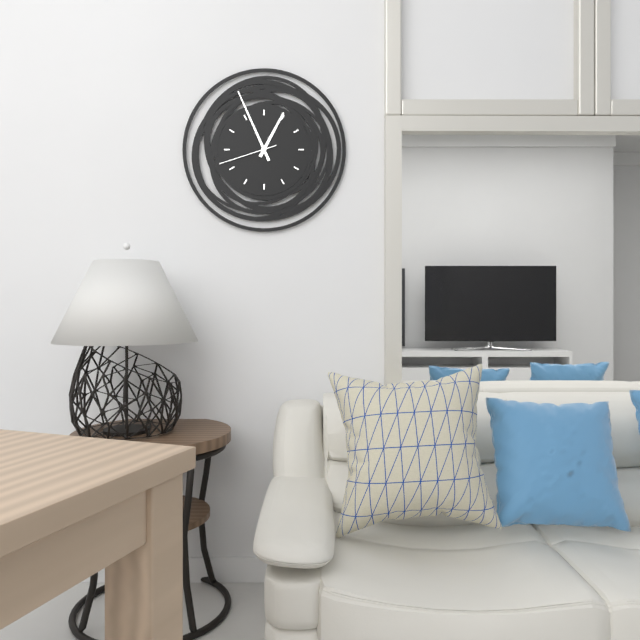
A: 12:56:42
